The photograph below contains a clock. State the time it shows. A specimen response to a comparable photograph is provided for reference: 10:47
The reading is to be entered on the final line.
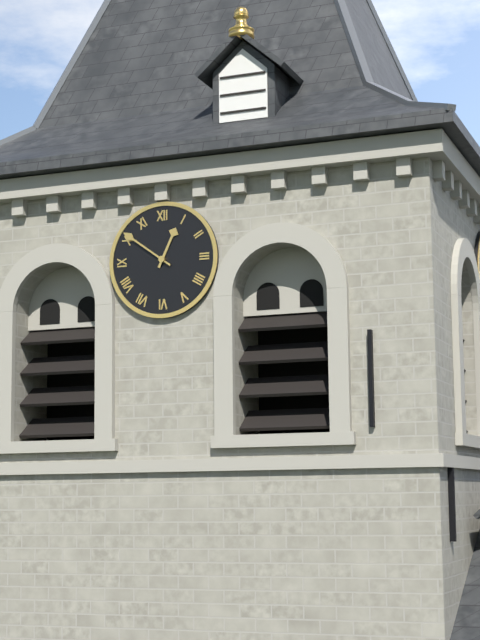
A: 12:51
